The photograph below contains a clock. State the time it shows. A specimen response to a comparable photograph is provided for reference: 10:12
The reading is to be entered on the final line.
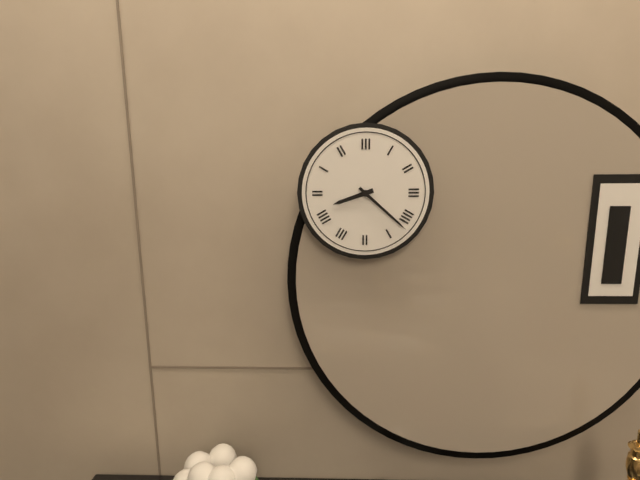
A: 8:22
